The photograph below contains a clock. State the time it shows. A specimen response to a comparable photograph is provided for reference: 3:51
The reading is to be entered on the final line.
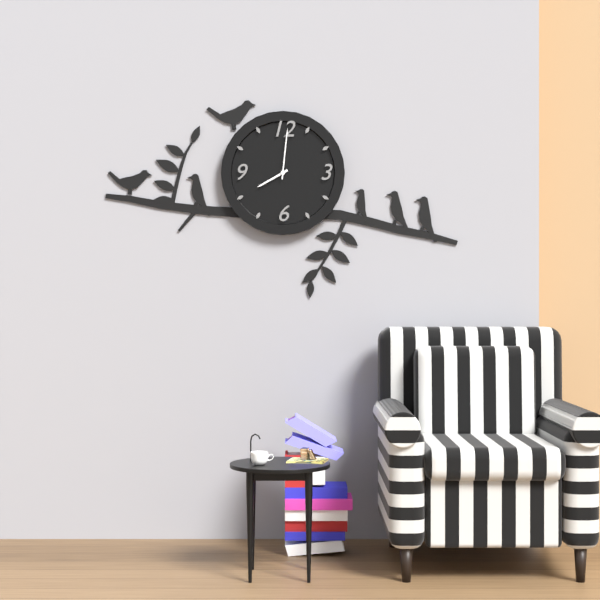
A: 8:01
